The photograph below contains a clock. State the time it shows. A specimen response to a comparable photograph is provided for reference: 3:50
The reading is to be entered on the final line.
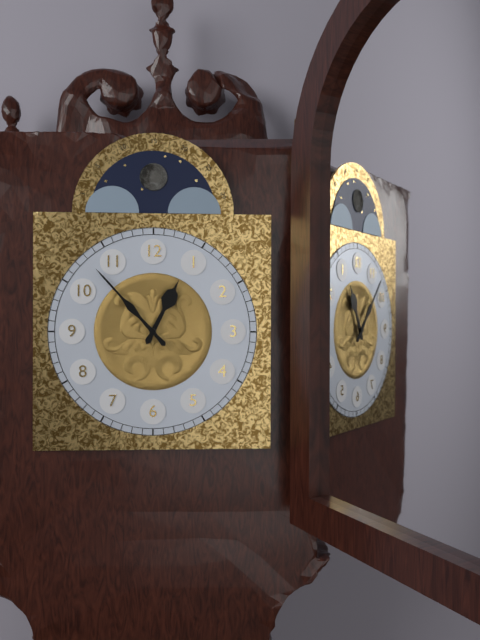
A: 12:53
